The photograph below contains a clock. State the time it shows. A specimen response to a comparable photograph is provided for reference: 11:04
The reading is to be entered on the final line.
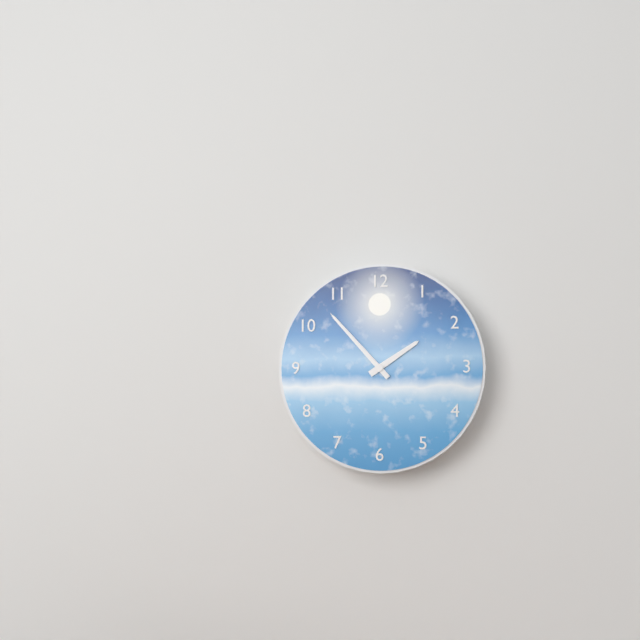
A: 1:53
